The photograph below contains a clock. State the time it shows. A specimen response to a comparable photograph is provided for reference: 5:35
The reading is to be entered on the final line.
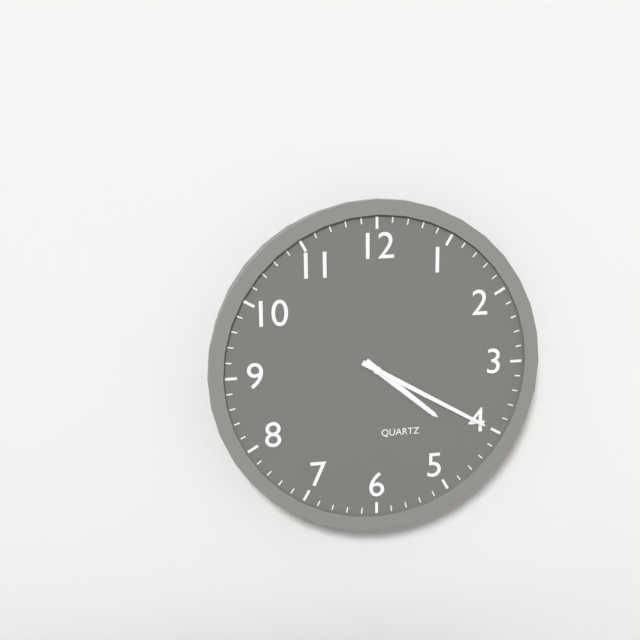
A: 4:20
